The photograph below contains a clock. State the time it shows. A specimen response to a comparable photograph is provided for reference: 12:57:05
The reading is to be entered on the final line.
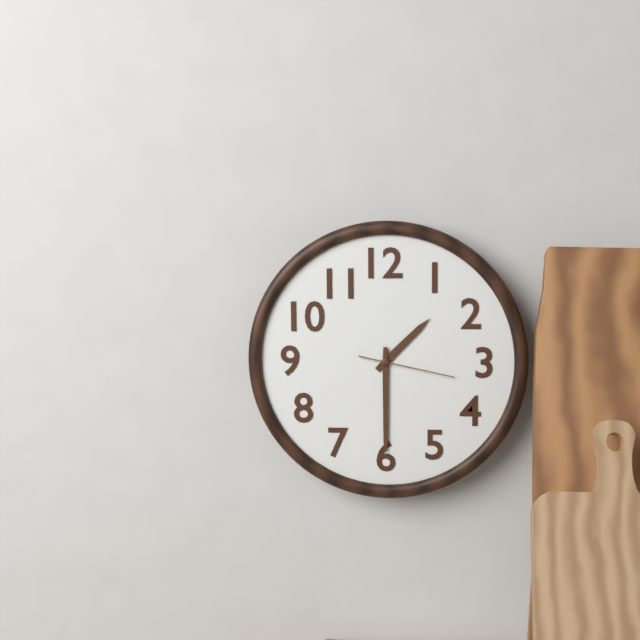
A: 1:30:17
